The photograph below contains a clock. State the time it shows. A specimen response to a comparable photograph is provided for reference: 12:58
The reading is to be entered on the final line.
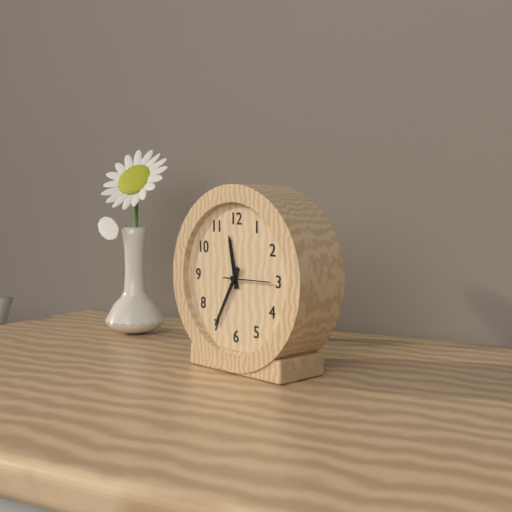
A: 11:35
